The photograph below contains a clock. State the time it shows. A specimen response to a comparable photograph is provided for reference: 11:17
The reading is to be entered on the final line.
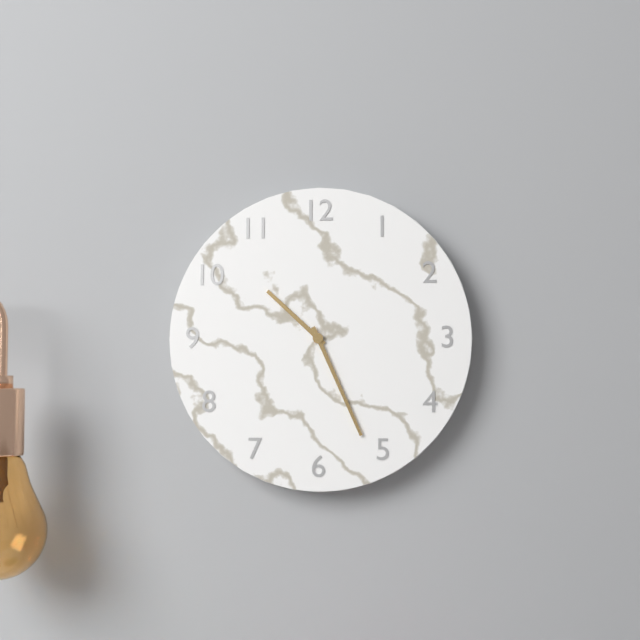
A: 10:26
